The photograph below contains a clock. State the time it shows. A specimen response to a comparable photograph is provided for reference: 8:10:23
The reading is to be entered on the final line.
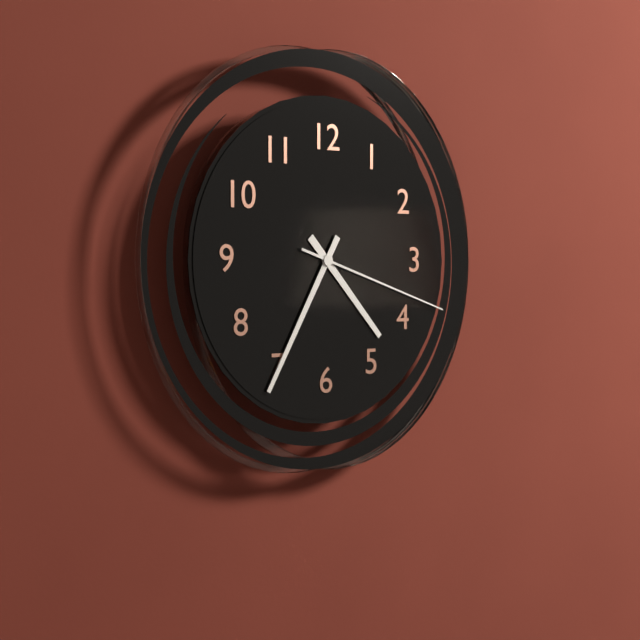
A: 4:35:18
